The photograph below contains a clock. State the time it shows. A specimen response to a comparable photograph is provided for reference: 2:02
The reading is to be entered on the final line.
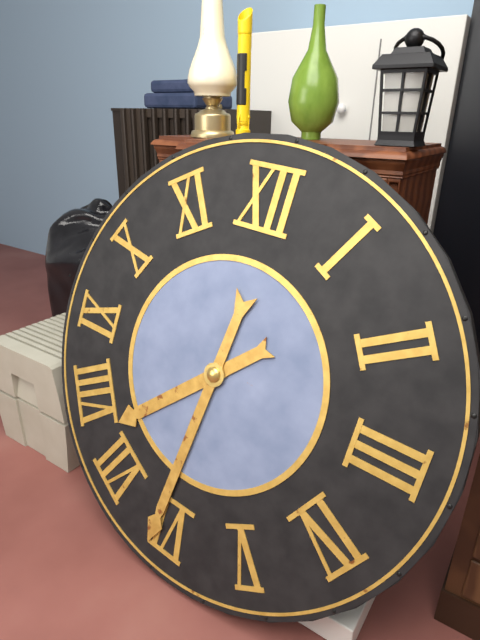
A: 7:31
